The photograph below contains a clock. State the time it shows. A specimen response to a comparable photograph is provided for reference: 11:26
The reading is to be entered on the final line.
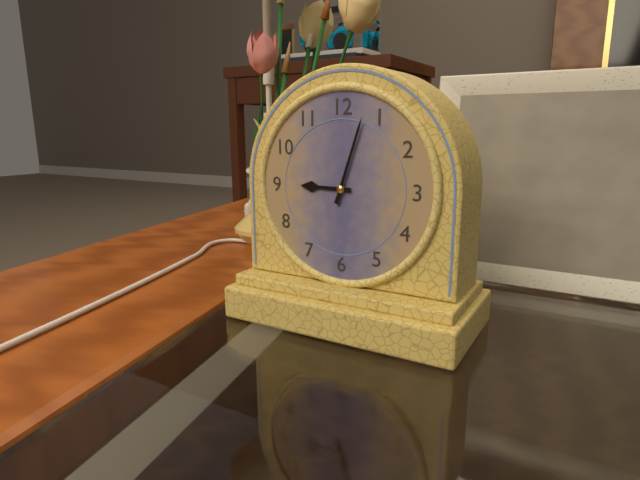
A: 9:03
